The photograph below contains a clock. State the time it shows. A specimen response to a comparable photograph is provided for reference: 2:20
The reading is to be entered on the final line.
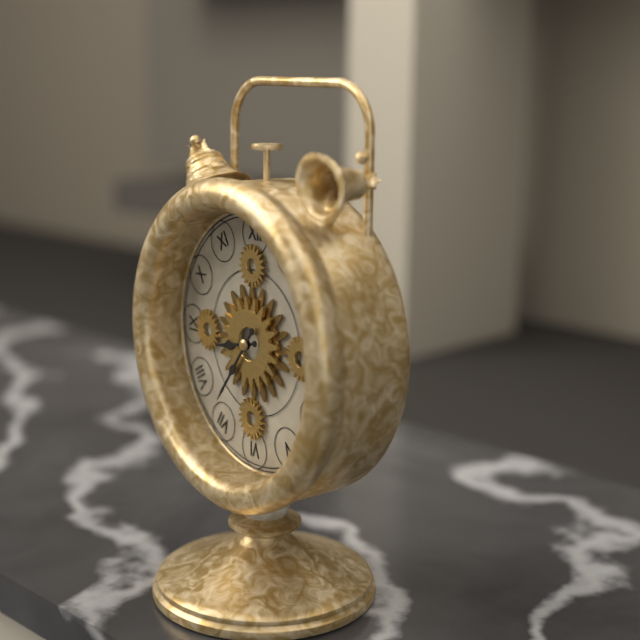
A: 8:36
